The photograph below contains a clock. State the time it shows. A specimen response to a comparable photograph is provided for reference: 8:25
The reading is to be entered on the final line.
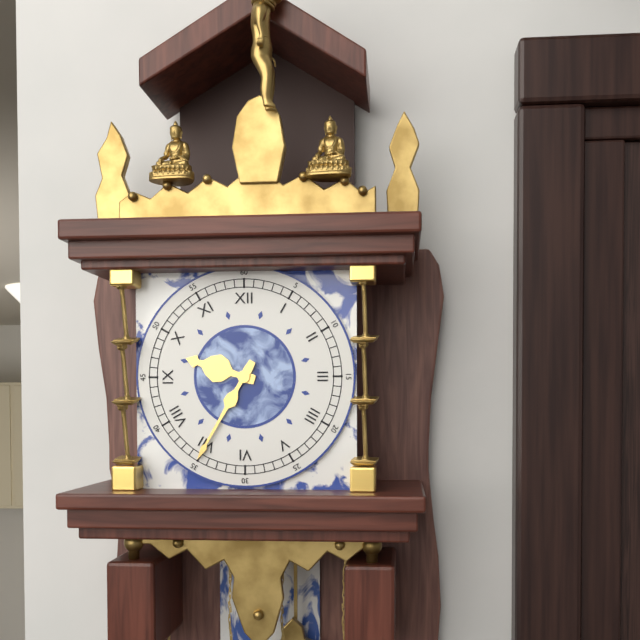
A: 9:35
